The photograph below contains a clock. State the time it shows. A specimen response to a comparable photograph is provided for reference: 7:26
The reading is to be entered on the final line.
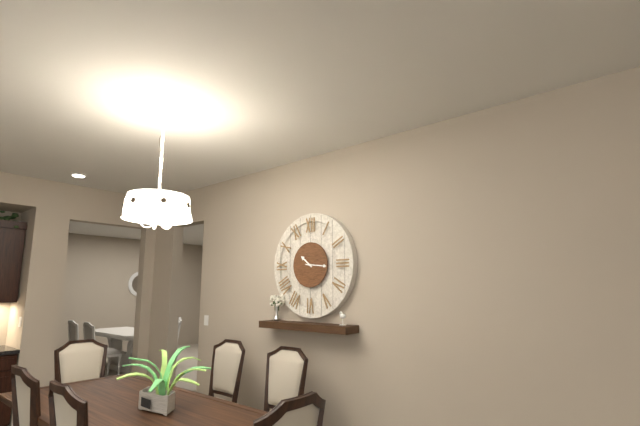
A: 10:16
